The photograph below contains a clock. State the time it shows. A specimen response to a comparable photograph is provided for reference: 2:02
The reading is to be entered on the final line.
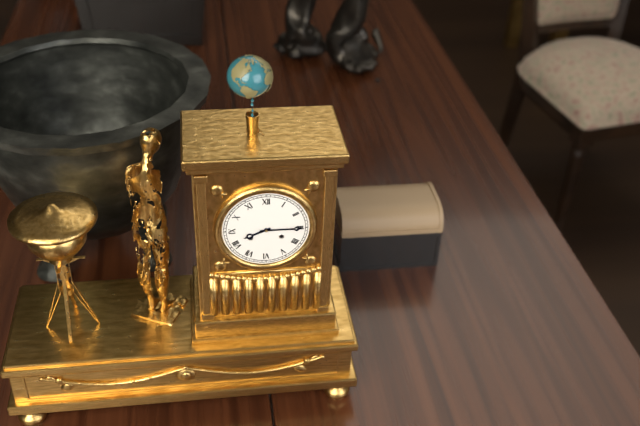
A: 8:15
